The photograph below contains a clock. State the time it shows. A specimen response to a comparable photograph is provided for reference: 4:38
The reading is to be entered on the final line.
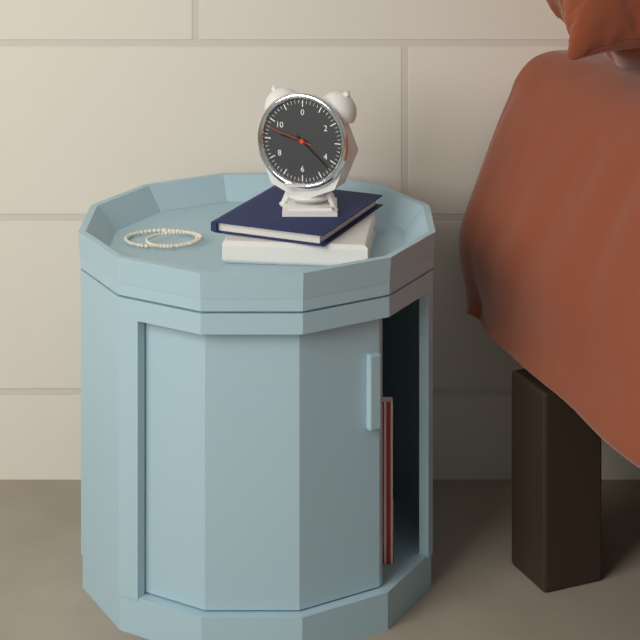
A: 9:22
